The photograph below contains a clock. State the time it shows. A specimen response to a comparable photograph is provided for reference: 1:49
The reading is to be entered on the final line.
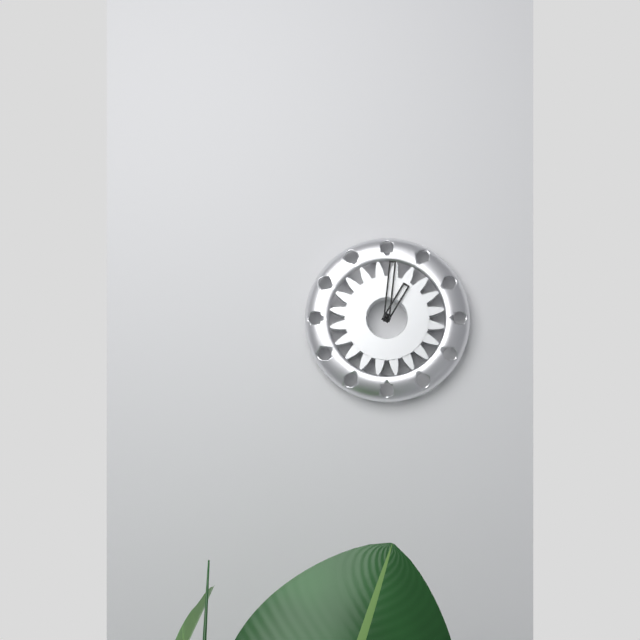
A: 1:01
